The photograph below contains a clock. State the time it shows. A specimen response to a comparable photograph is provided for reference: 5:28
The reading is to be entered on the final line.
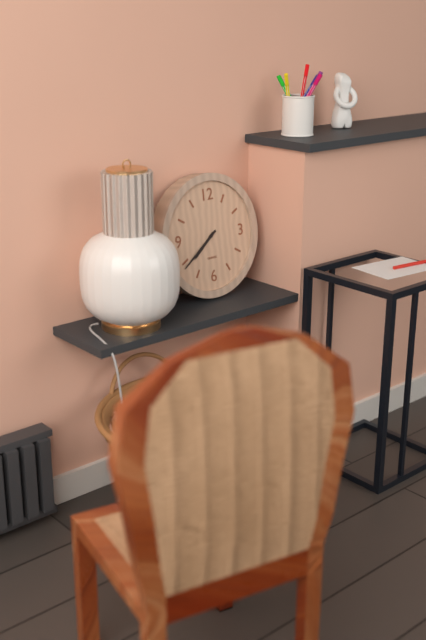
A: 7:39
